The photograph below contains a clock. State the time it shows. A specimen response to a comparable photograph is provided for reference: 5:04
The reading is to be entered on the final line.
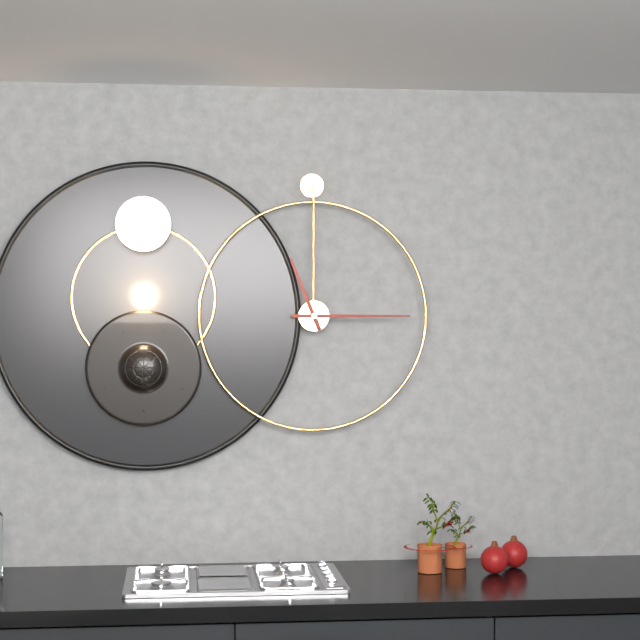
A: 11:15
